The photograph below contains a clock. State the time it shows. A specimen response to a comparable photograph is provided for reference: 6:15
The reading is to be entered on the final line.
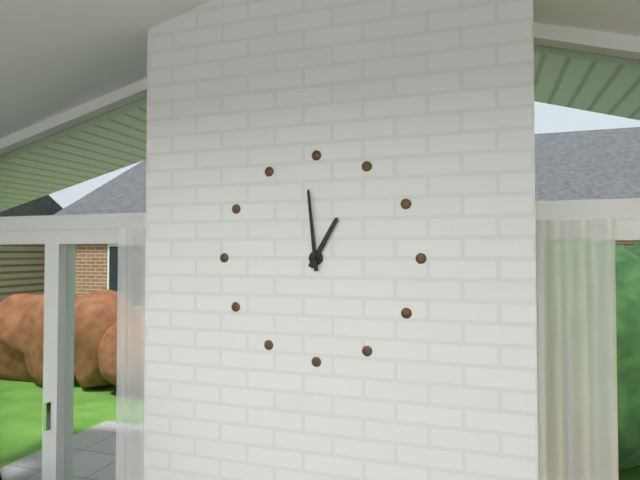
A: 12:59
